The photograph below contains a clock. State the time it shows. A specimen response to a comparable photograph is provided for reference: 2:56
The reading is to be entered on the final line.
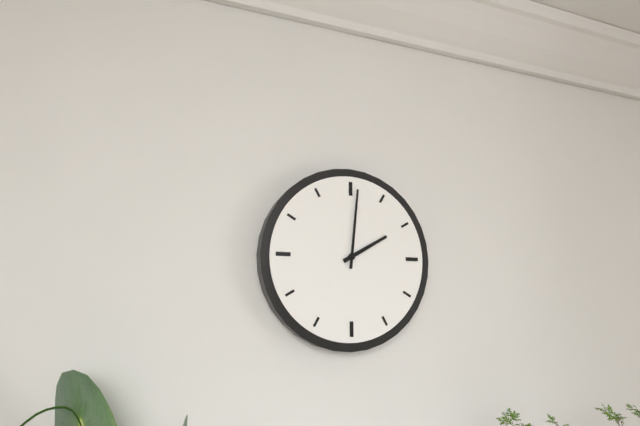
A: 2:01
